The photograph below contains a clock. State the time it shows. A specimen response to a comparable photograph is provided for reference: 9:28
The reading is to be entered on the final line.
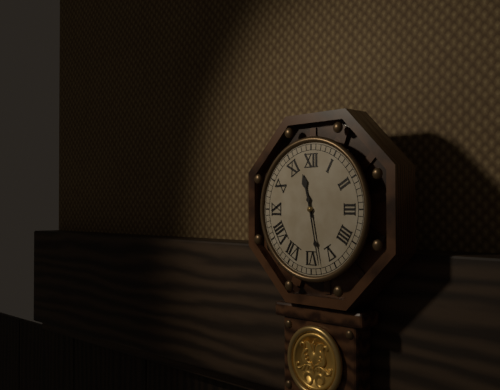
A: 11:28
